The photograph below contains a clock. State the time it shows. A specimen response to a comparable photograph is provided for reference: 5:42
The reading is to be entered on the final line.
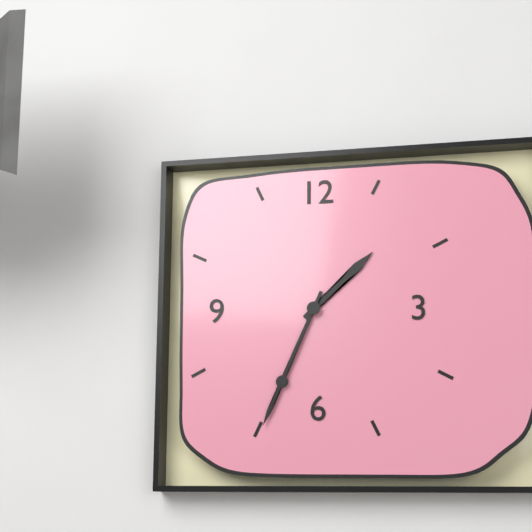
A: 1:34
